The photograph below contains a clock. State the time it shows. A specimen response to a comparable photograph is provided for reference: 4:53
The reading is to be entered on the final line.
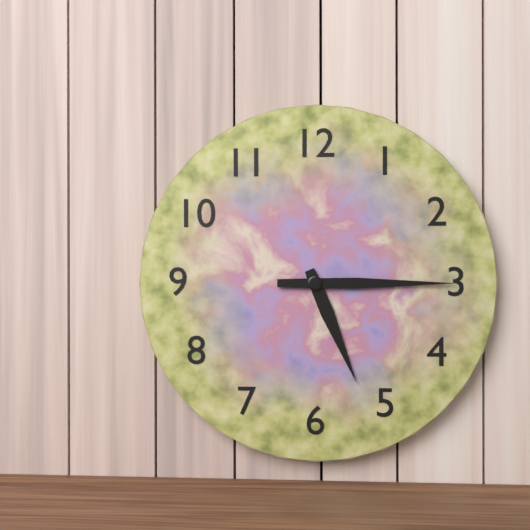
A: 5:15
